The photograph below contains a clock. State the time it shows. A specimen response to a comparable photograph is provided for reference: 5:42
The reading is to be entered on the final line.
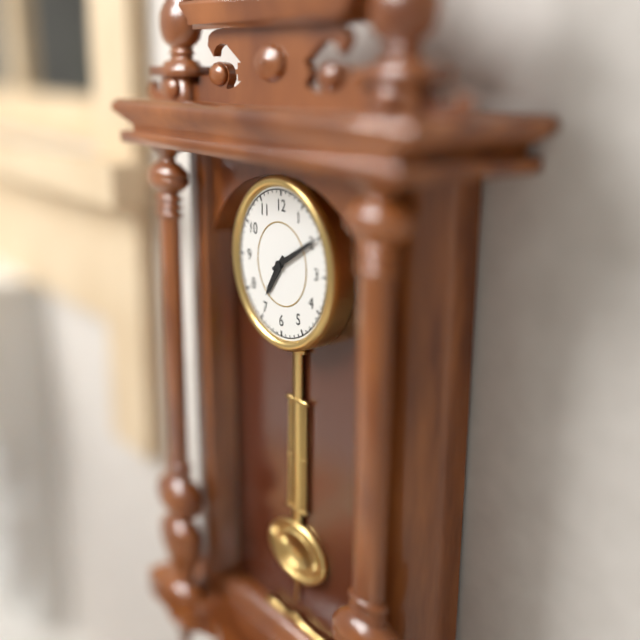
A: 7:10
